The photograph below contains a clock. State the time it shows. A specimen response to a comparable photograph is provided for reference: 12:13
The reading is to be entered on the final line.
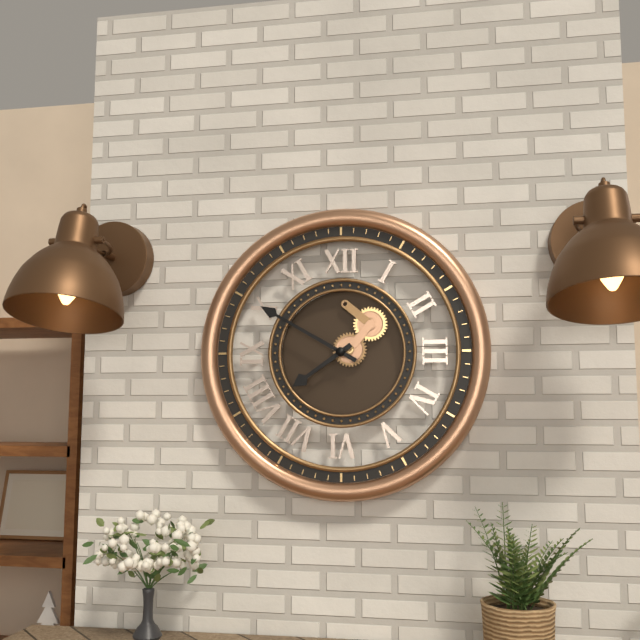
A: 7:50
